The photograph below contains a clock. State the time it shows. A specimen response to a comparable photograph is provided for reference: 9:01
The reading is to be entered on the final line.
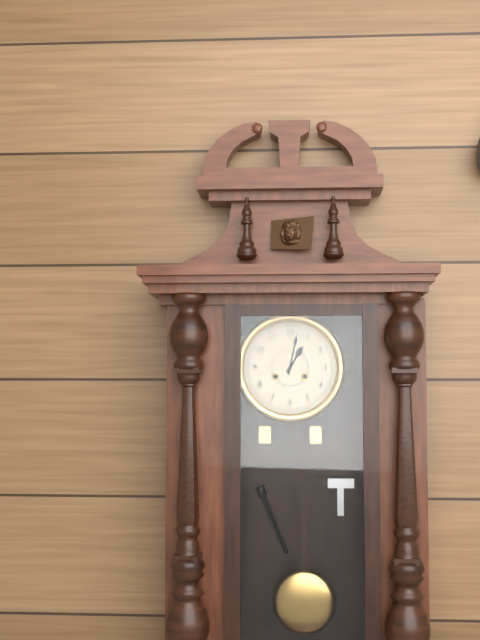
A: 1:02
